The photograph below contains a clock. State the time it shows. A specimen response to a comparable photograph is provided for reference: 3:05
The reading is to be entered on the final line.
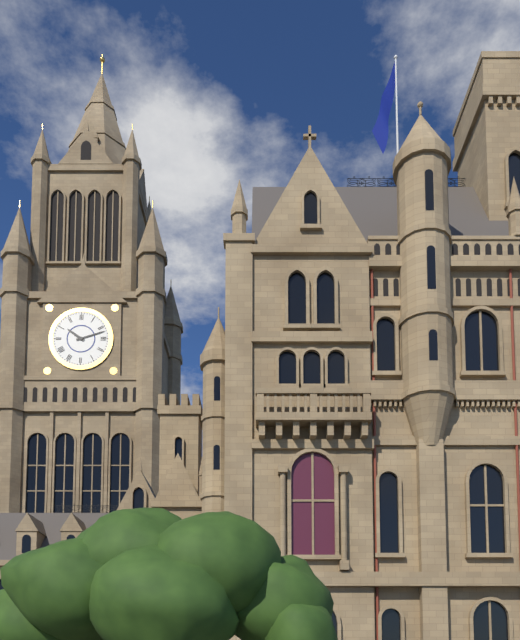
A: 10:12
